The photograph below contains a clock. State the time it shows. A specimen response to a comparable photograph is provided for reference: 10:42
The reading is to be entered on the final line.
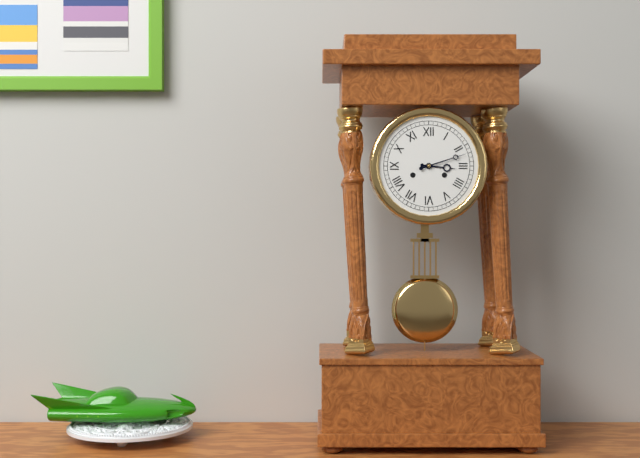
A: 3:12
